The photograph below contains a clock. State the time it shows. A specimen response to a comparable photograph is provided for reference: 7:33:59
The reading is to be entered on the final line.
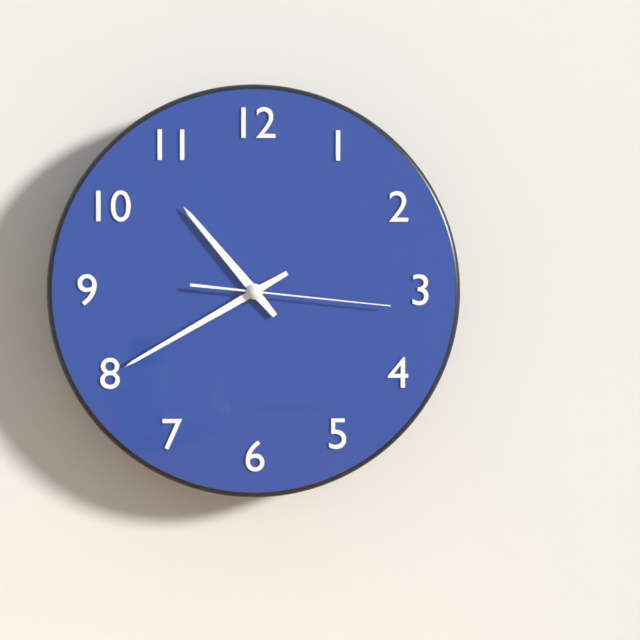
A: 10:40:16
